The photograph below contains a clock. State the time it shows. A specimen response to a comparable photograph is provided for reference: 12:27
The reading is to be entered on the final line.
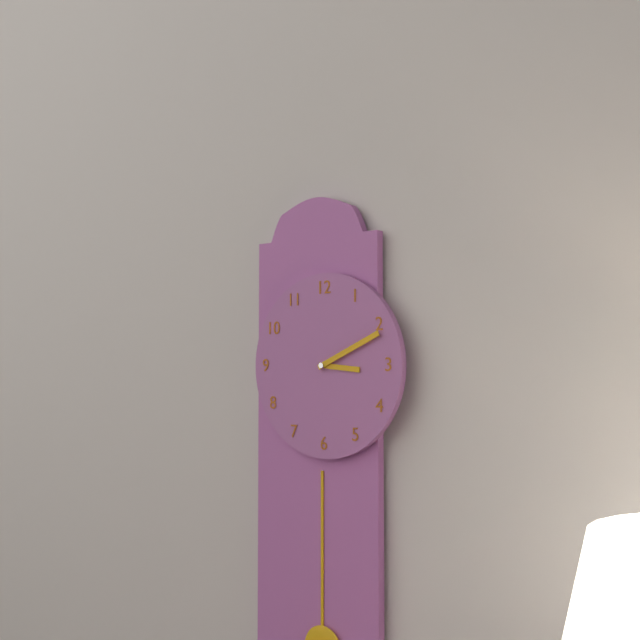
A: 3:11
